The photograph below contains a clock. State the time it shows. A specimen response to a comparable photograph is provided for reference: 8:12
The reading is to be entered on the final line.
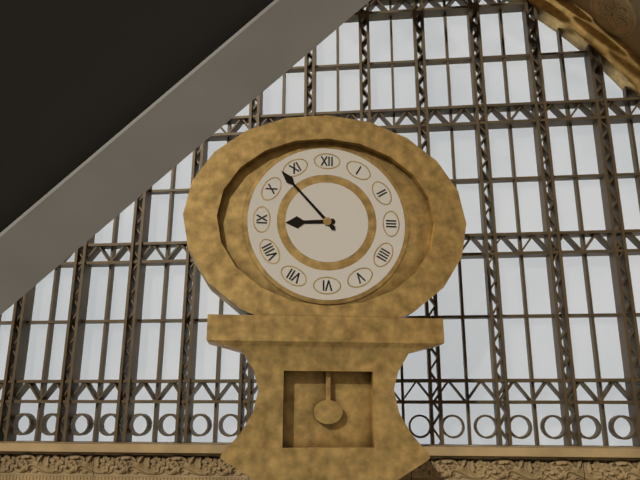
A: 8:53
